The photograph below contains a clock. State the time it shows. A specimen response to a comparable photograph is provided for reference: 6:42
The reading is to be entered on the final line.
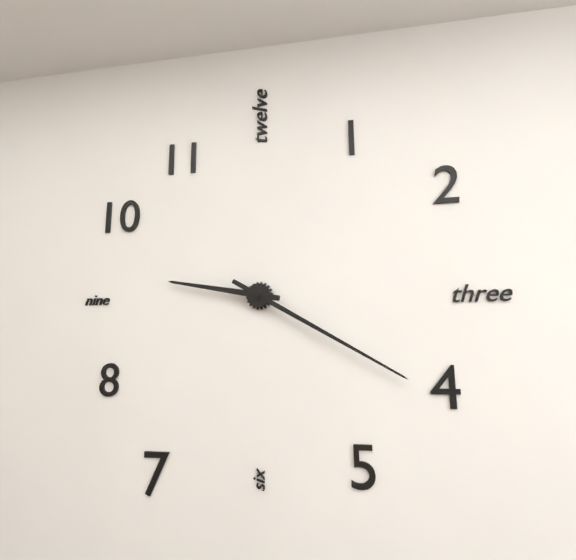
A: 9:20
